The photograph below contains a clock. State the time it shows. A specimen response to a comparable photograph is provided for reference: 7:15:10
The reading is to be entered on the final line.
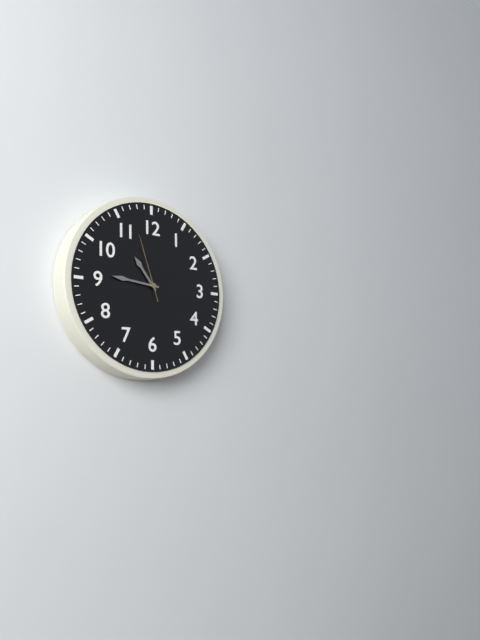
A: 10:46:57
